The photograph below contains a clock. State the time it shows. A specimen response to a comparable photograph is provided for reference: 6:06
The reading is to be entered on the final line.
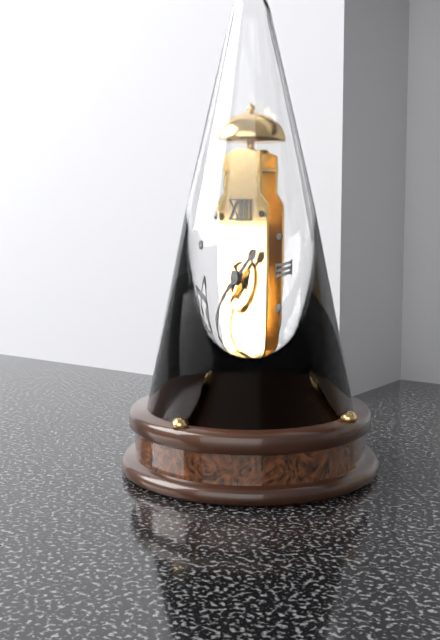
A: 1:40
